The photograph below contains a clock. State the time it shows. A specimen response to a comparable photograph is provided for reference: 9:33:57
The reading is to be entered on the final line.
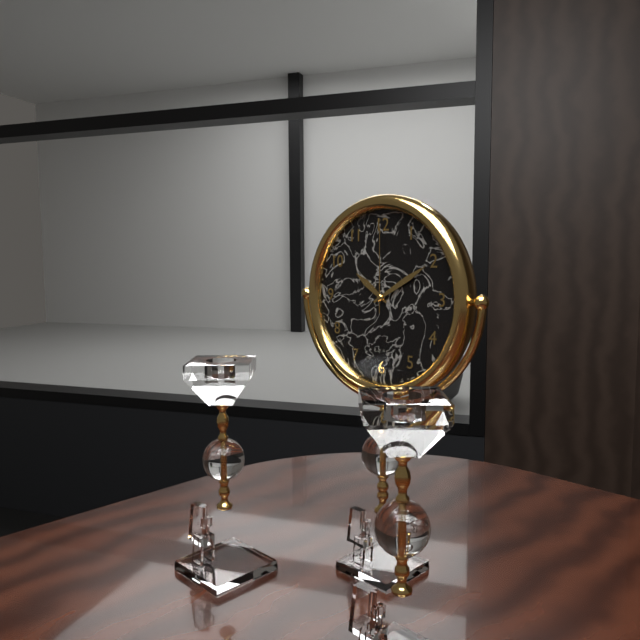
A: 10:10:00
